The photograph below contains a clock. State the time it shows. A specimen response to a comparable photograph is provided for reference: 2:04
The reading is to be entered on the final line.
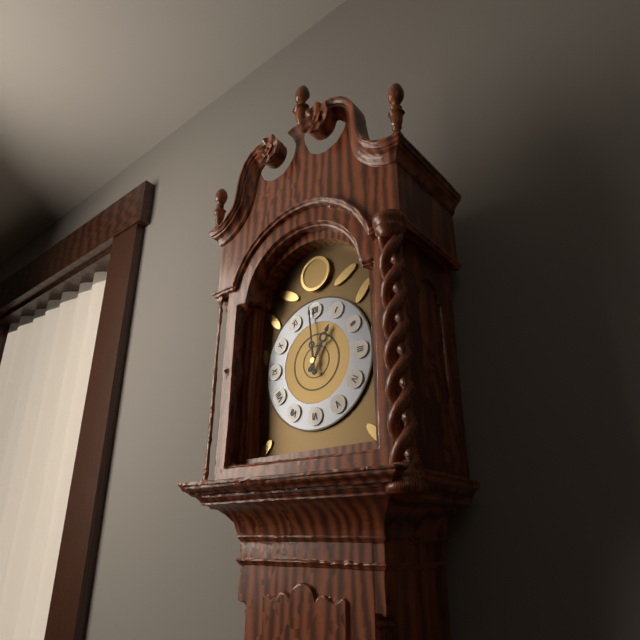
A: 12:59
